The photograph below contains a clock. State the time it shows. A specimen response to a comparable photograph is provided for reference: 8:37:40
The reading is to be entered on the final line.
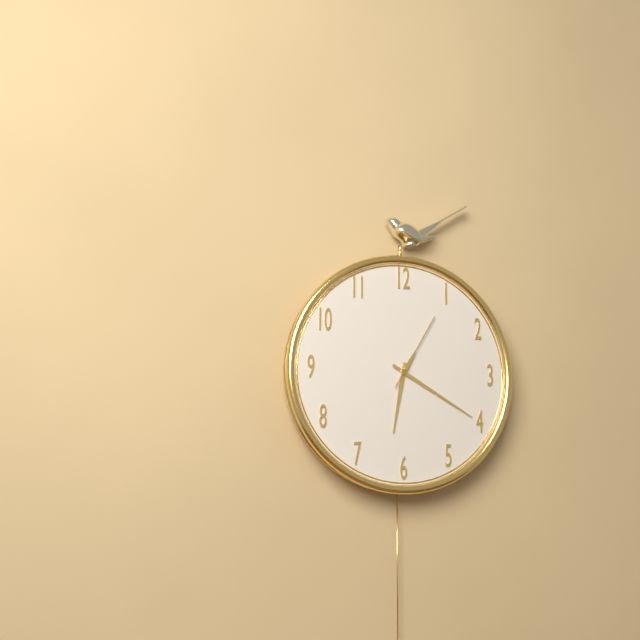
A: 6:20:05
